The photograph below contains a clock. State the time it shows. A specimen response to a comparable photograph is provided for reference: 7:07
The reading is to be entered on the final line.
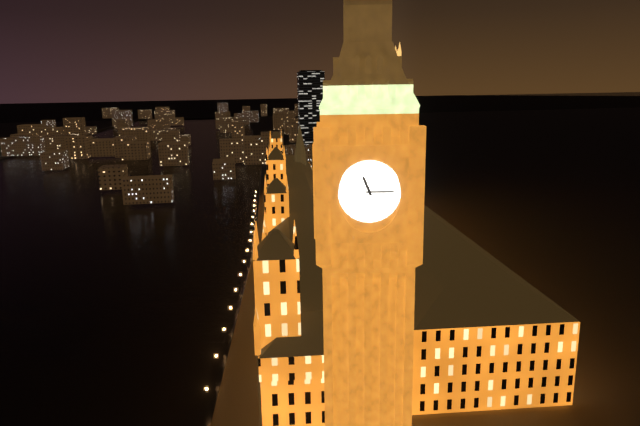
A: 11:15
